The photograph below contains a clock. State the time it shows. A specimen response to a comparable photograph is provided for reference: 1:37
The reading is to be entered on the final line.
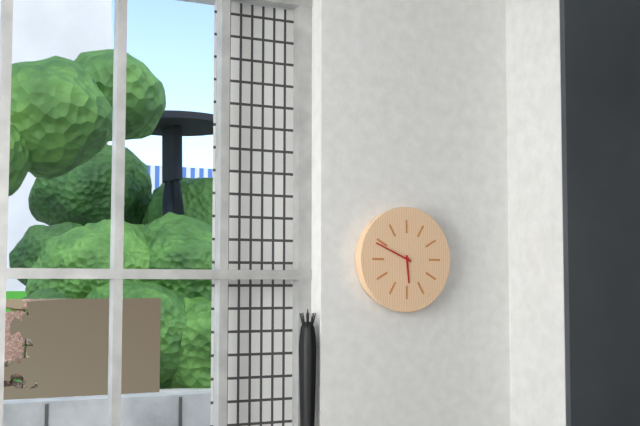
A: 5:49
